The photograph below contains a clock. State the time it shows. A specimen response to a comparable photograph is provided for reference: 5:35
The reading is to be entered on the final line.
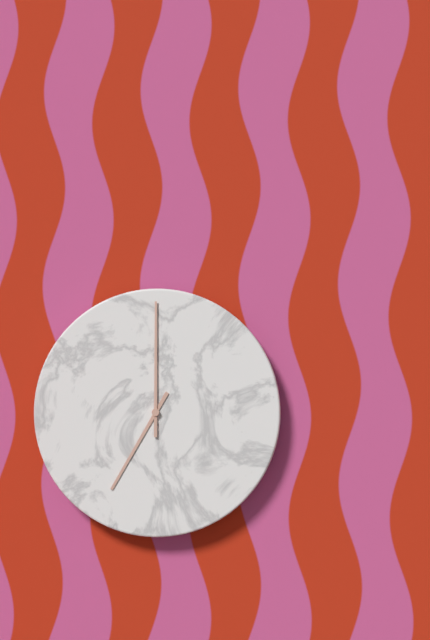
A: 7:00
